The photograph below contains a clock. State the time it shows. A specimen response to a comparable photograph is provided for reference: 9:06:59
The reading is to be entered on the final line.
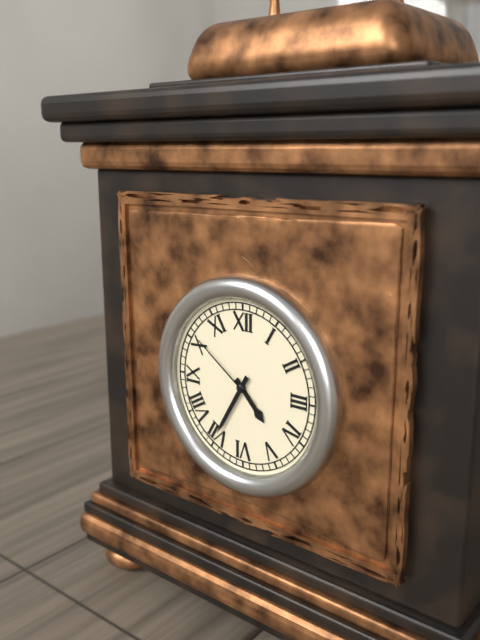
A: 4:35:51
